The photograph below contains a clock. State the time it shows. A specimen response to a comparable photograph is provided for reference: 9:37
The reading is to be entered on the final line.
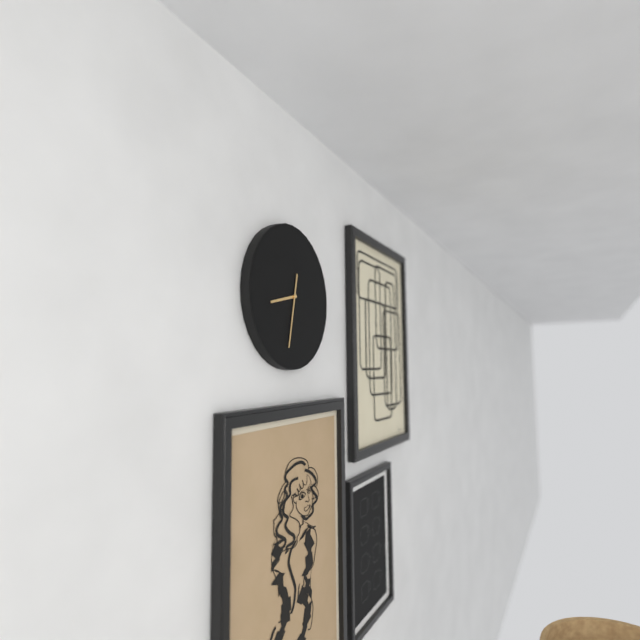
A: 8:32
